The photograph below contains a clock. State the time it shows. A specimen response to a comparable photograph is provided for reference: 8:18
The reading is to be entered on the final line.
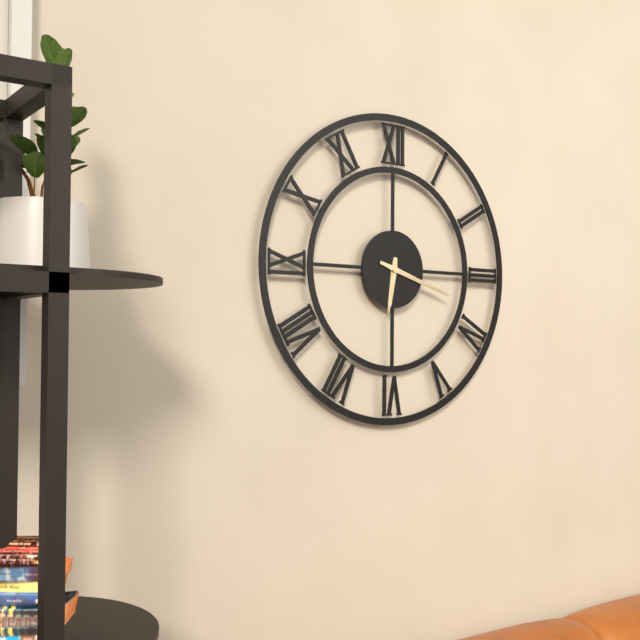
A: 6:18
